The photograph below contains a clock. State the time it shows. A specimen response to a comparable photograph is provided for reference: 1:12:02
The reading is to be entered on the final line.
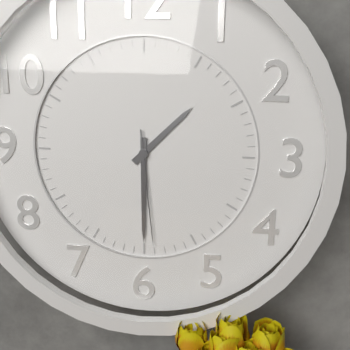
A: 1:30:29
